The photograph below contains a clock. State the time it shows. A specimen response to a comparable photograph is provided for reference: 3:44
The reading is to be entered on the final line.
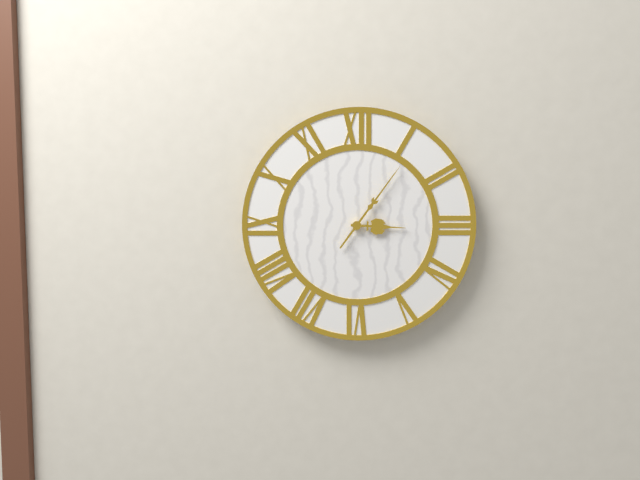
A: 3:06
